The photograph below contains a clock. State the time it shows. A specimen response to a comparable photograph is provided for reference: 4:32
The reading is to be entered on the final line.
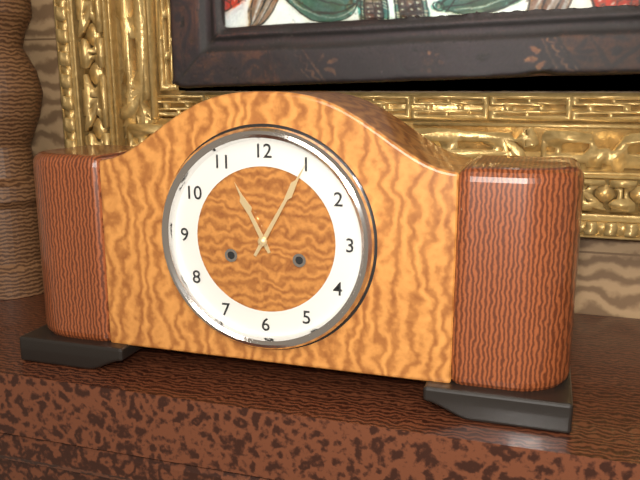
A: 11:05
